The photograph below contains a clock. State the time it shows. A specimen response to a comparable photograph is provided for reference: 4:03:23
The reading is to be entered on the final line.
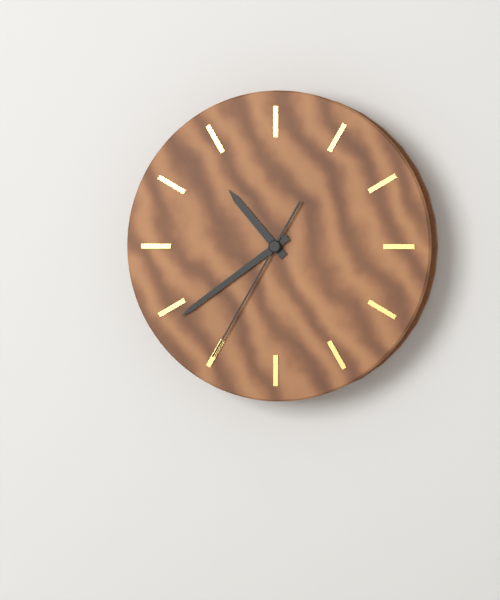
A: 10:39:35
